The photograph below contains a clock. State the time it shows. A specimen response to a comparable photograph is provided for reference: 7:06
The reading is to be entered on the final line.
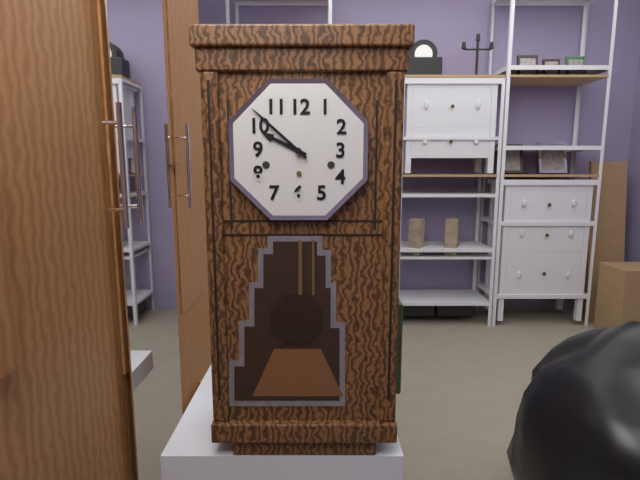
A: 9:52
